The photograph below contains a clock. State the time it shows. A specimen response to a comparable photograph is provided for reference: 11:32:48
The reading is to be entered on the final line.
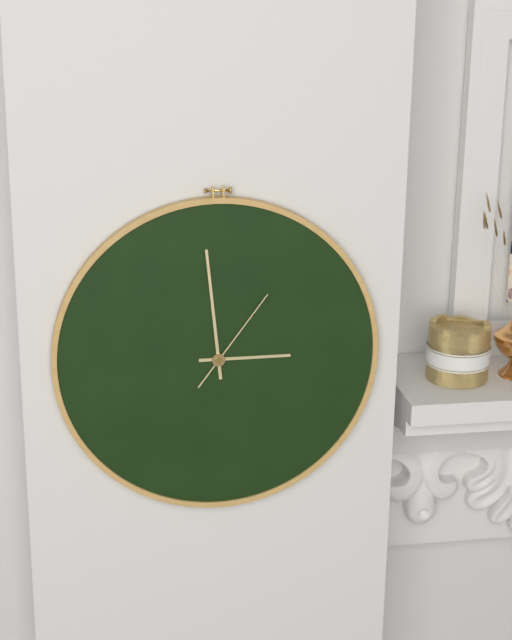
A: 2:59:06
